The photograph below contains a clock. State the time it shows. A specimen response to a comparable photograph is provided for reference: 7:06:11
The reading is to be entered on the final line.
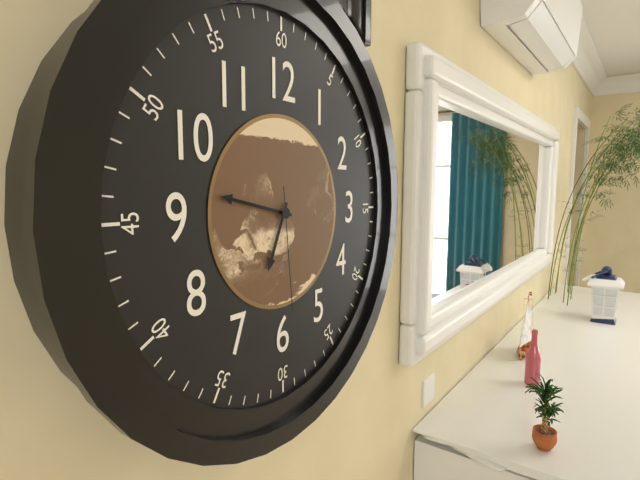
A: 6:47:29
